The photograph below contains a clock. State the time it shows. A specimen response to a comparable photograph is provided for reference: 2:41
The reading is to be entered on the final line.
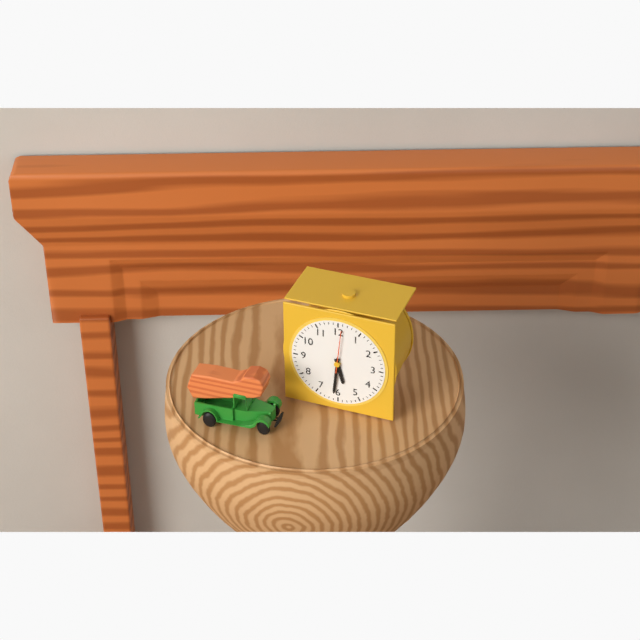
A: 5:31
